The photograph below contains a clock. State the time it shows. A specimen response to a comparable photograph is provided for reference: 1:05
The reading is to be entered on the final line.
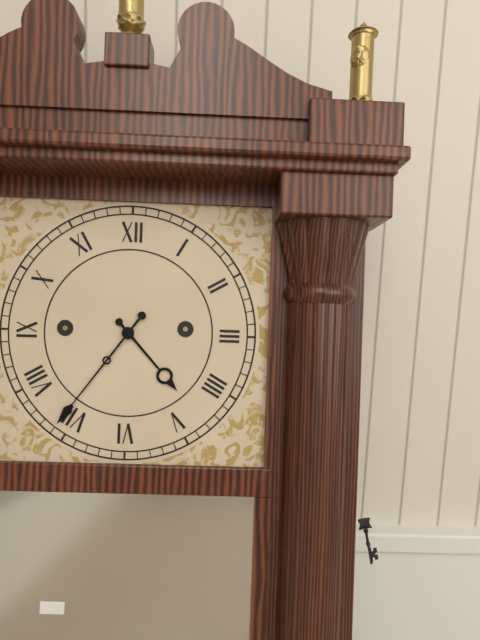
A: 4:36
